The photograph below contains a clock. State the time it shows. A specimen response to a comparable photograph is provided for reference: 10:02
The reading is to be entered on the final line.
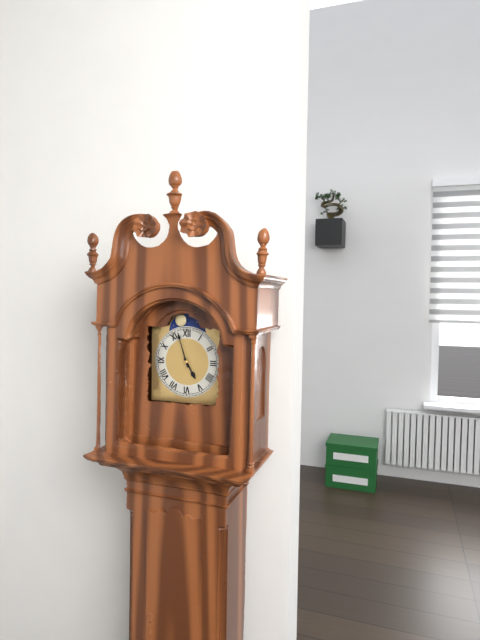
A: 4:57
